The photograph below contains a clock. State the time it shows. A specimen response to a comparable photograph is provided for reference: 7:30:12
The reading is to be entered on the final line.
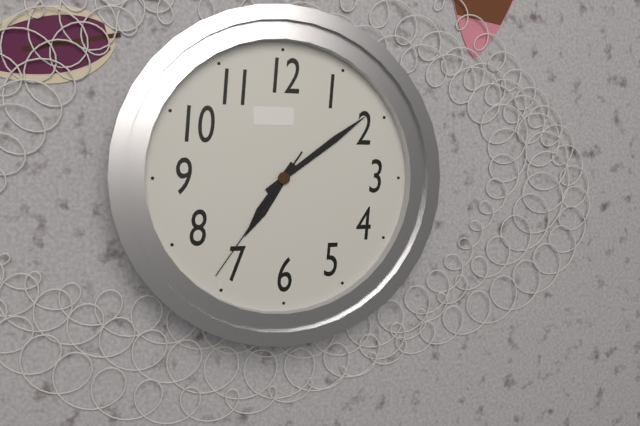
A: 7:09:36
